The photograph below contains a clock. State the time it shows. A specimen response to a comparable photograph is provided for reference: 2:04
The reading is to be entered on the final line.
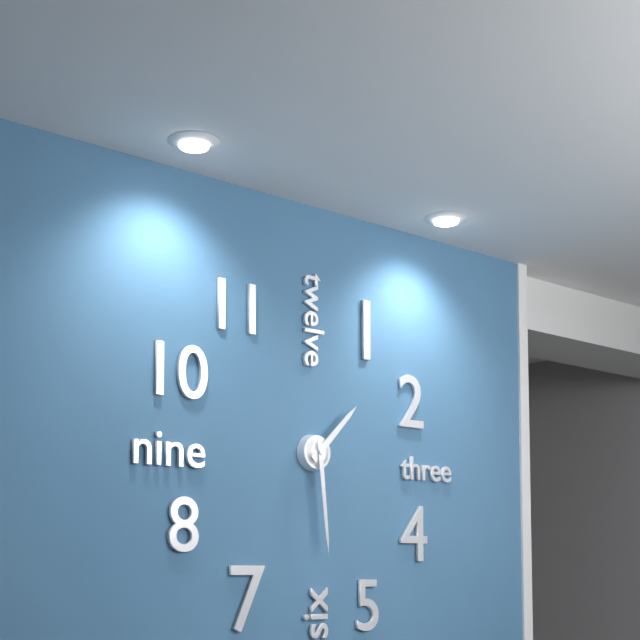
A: 1:29
